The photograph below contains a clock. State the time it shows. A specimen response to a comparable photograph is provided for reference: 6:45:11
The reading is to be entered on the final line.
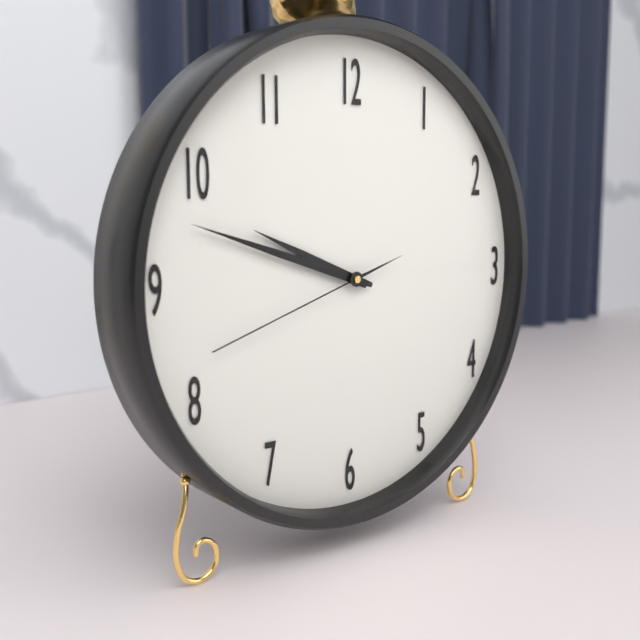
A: 9:48:42
